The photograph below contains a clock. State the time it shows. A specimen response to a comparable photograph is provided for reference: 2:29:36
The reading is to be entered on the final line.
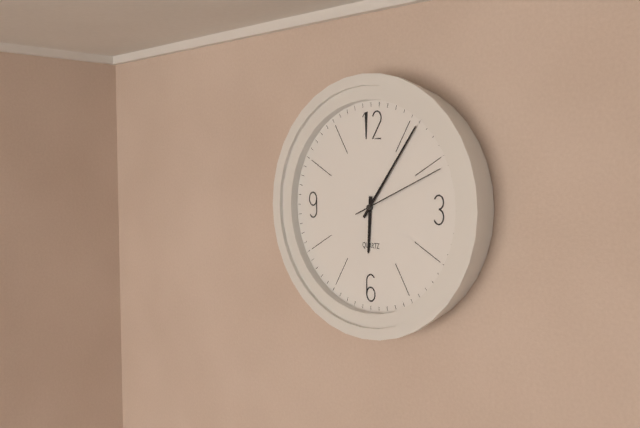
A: 6:06:11
